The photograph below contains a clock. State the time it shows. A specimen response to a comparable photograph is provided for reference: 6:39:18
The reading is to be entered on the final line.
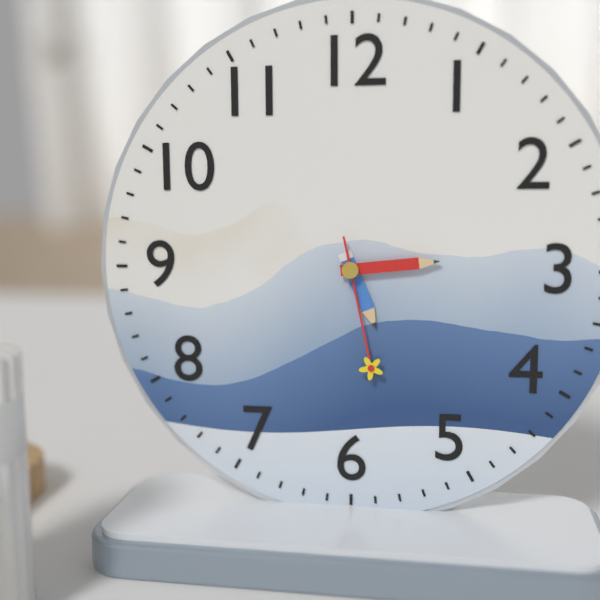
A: 5:14:28
